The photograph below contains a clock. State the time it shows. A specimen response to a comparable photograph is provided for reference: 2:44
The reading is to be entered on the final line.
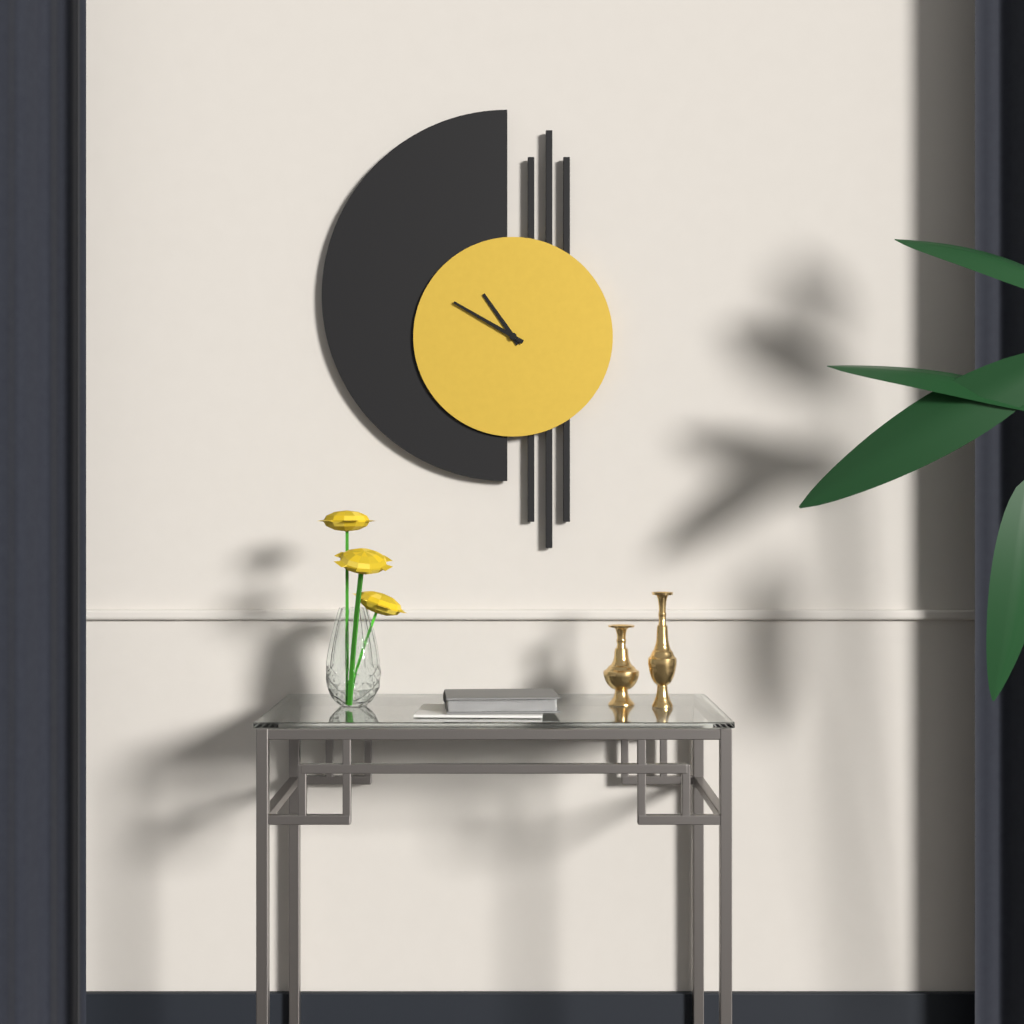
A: 10:50
